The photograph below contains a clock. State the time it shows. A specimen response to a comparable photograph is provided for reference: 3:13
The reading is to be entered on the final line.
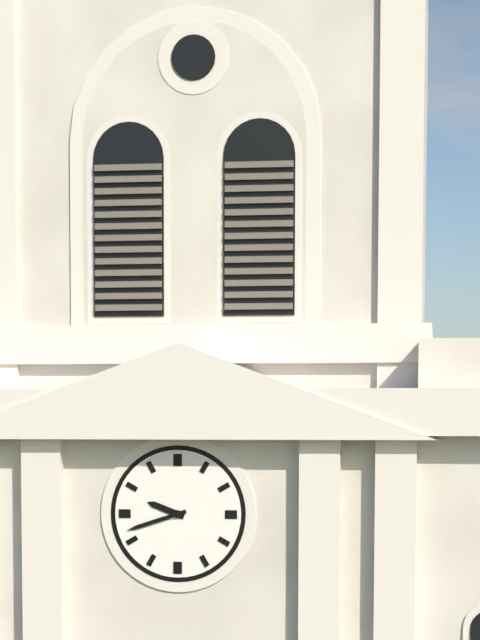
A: 9:42
